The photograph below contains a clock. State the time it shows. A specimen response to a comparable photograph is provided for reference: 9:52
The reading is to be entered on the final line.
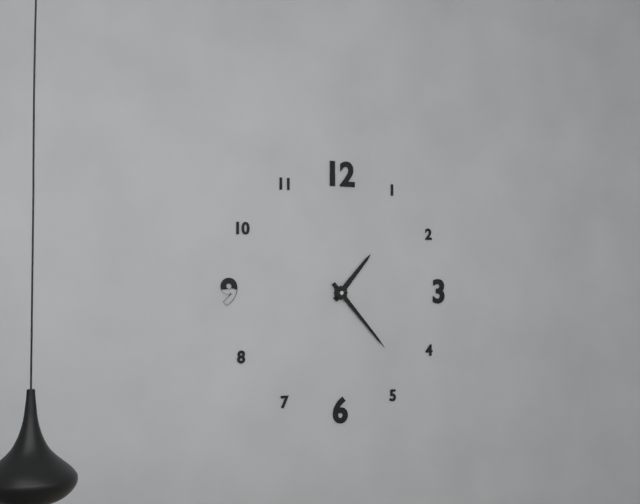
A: 1:23
